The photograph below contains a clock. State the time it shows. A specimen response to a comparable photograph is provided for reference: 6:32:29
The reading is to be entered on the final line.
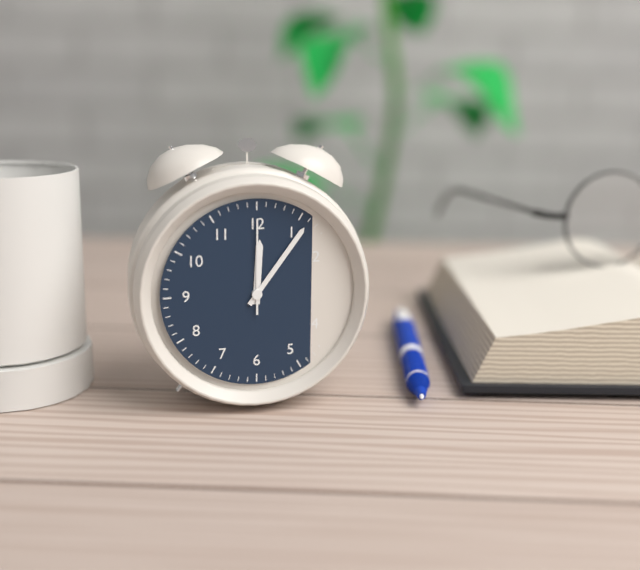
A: 12:06:00
